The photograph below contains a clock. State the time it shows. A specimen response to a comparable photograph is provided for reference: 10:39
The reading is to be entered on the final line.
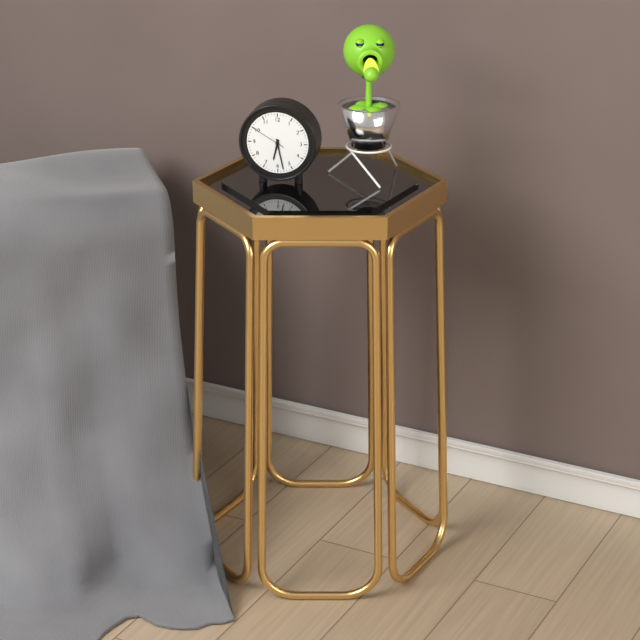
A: 6:28
